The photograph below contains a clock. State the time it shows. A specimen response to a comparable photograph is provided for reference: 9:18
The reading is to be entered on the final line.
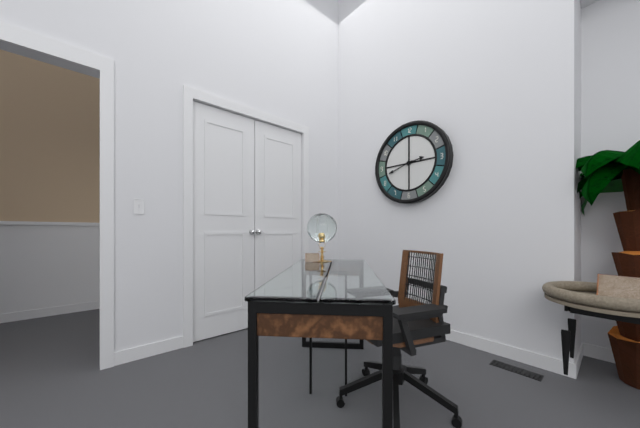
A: 2:42
